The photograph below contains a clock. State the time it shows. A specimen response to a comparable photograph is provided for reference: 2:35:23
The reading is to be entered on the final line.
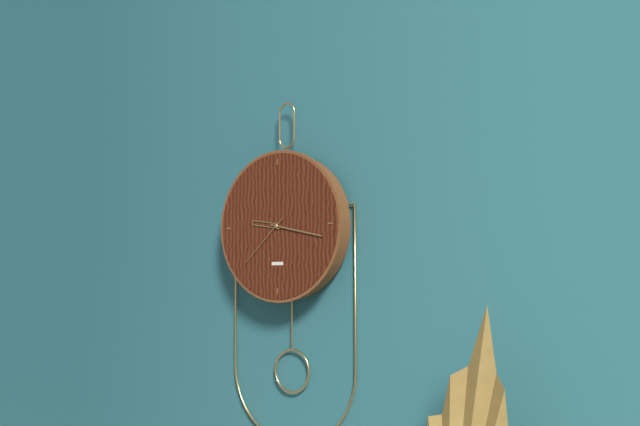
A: 9:17:38
